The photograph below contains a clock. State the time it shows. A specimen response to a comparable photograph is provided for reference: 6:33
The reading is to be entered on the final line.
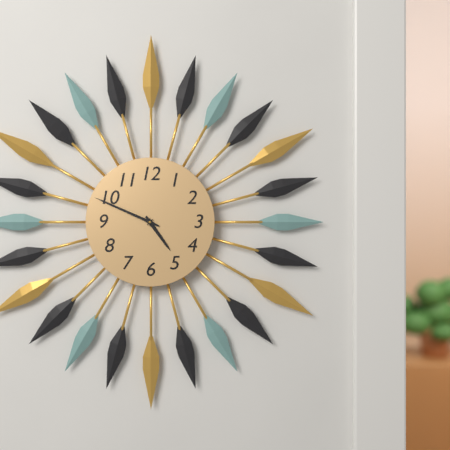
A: 4:49
